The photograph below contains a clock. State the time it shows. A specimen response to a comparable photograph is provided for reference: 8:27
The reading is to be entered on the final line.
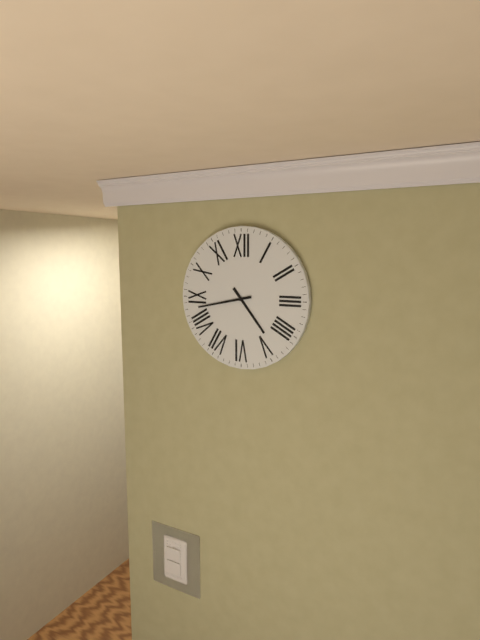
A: 4:43
